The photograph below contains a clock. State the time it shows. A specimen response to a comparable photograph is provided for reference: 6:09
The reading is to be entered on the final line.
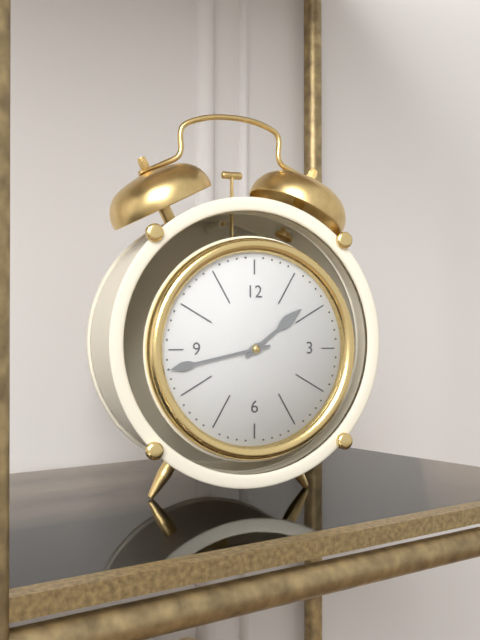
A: 1:43
